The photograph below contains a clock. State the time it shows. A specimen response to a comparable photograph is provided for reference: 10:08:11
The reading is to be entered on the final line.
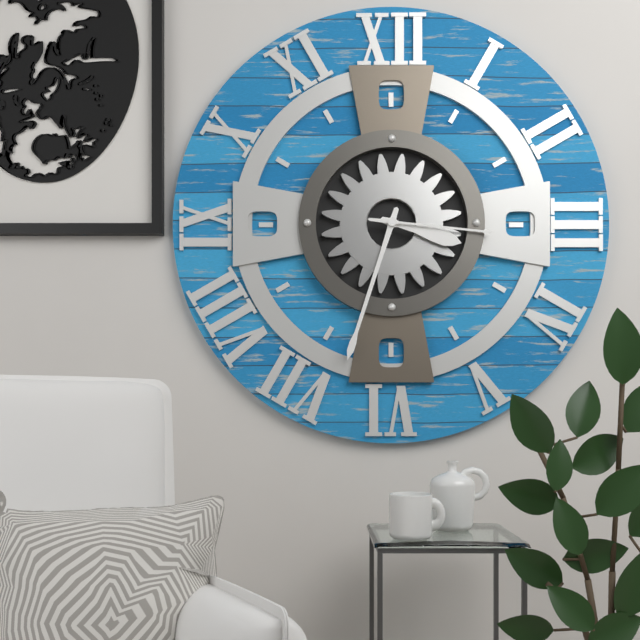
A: 3:33:16
